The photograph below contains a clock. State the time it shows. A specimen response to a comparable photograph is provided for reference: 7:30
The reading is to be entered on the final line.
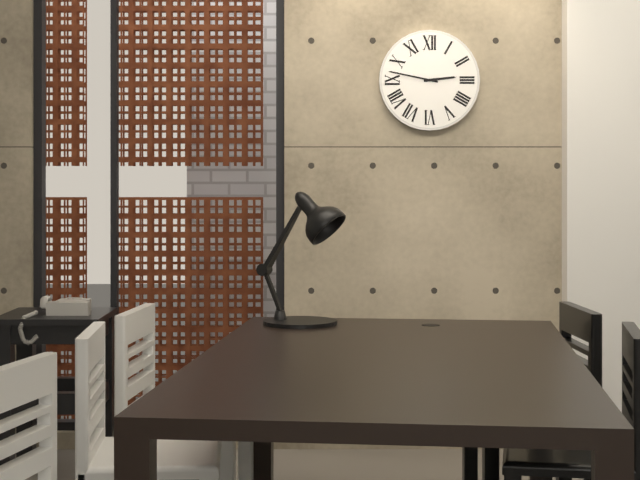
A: 2:47
